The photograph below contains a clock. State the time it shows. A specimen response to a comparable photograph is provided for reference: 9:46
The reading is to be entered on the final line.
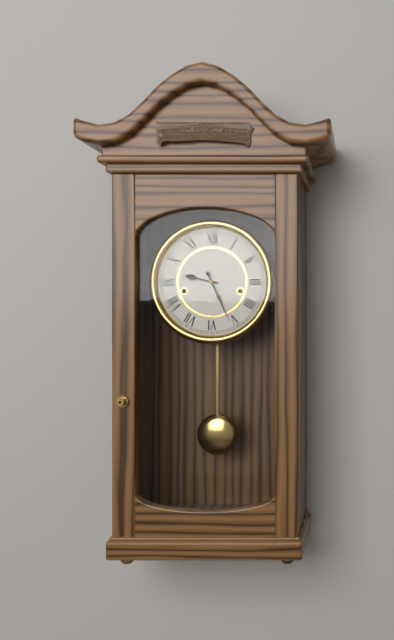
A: 9:26
